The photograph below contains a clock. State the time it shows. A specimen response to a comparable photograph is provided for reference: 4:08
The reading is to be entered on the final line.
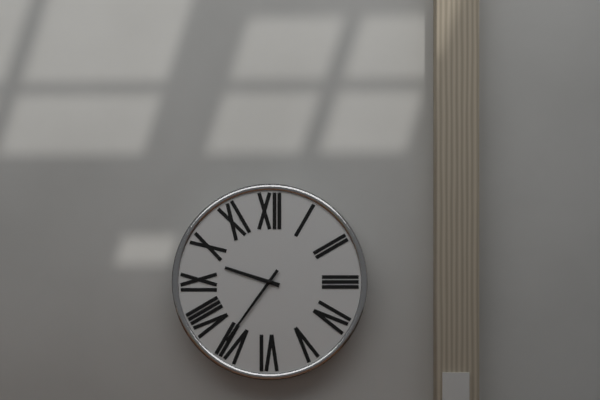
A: 9:36
